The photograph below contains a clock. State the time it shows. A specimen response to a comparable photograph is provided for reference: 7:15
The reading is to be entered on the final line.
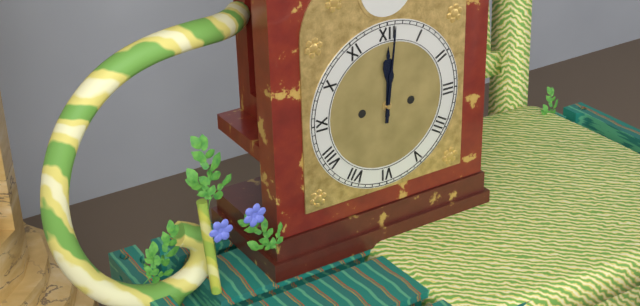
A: 12:01
